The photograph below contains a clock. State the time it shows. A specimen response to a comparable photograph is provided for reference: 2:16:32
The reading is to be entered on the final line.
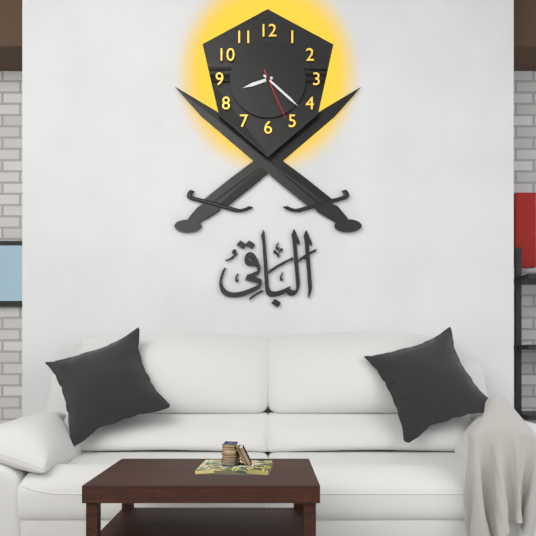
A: 8:22:26
